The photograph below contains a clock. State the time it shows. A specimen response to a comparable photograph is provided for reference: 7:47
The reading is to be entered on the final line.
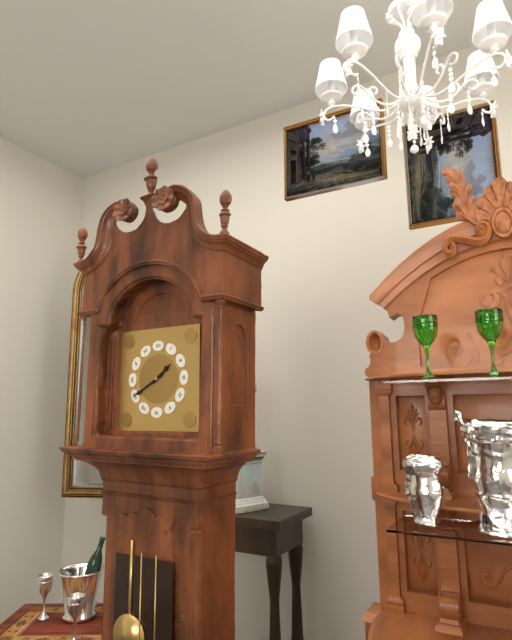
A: 1:40
